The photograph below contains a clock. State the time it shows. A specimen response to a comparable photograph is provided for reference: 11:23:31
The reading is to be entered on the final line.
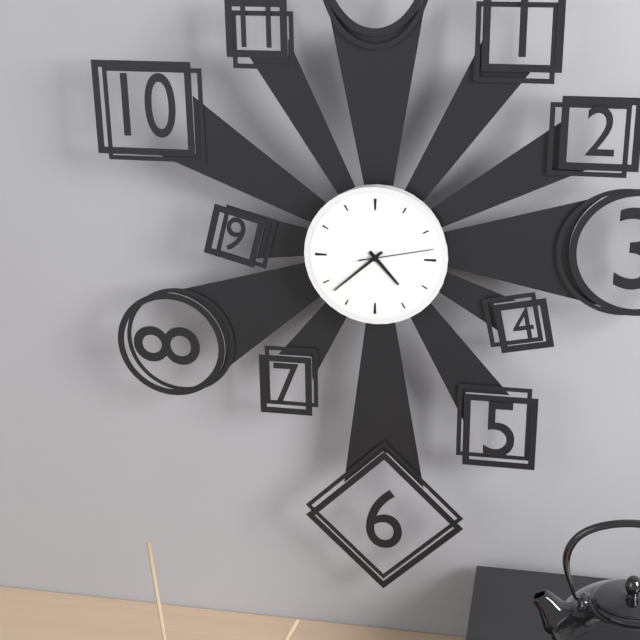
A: 4:38:13
